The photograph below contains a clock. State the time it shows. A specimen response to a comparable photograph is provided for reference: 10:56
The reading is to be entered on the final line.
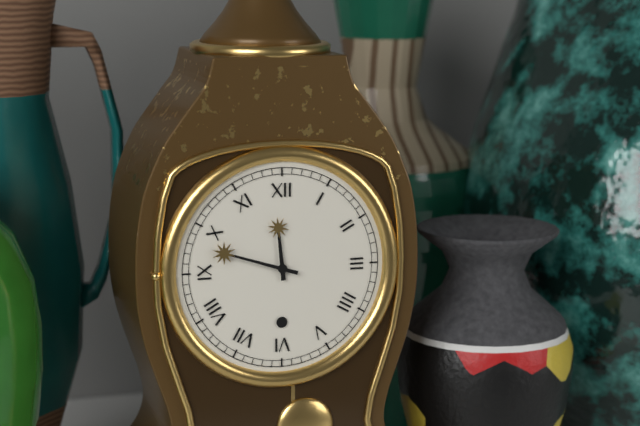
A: 11:48
